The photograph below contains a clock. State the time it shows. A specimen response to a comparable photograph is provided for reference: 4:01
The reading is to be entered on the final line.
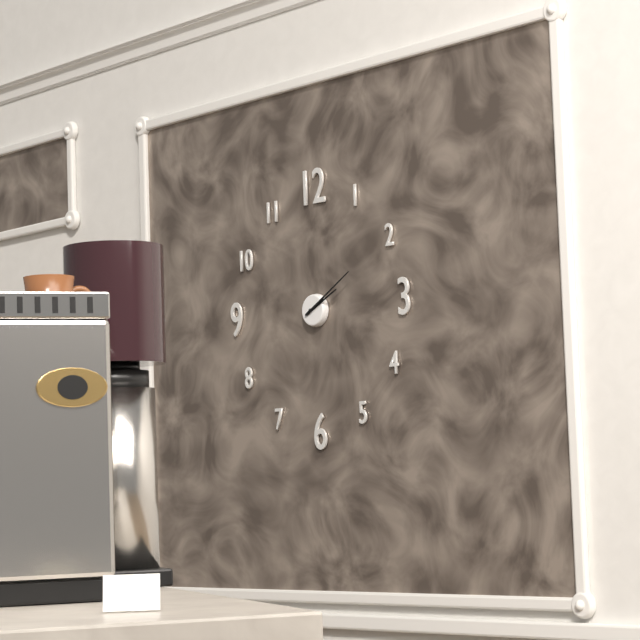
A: 2:10
